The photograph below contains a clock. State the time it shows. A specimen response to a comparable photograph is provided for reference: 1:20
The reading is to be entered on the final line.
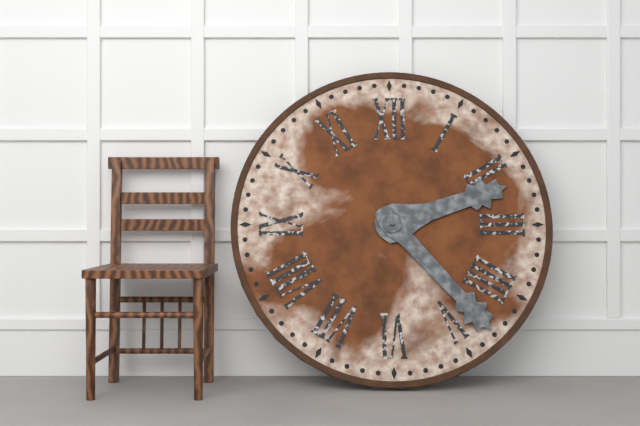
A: 2:23
